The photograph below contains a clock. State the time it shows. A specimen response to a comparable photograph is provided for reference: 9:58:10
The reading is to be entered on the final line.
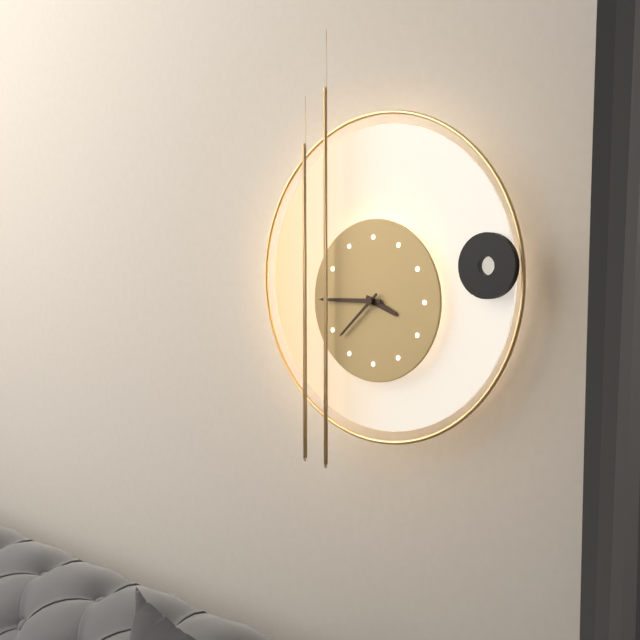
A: 3:45:38
